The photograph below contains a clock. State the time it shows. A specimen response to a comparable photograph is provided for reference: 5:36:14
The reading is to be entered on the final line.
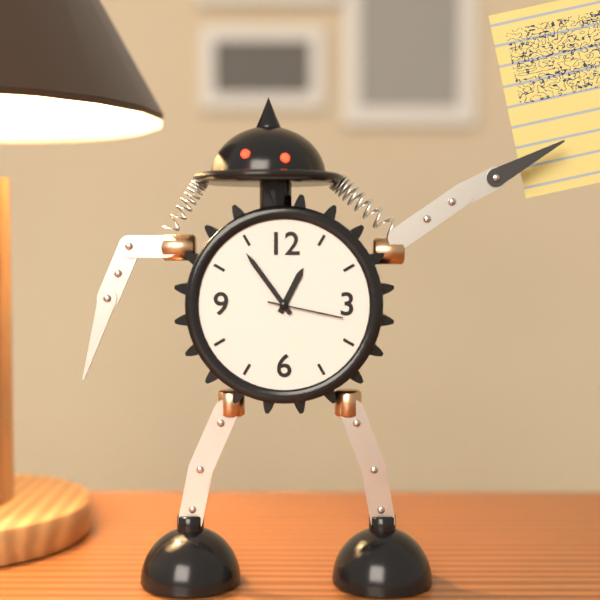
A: 12:54:17
